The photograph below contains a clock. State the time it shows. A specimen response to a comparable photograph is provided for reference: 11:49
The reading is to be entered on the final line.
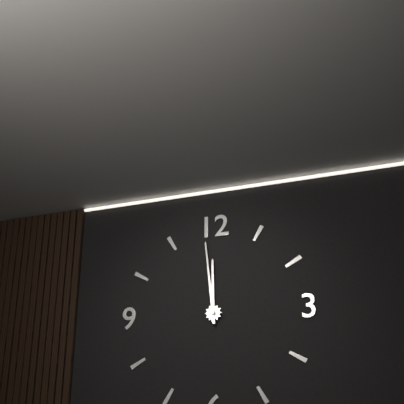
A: 11:59
